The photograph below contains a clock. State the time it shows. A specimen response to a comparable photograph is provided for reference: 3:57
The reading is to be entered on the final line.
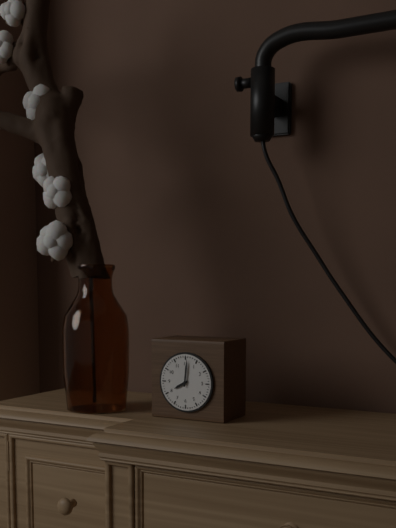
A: 8:01
